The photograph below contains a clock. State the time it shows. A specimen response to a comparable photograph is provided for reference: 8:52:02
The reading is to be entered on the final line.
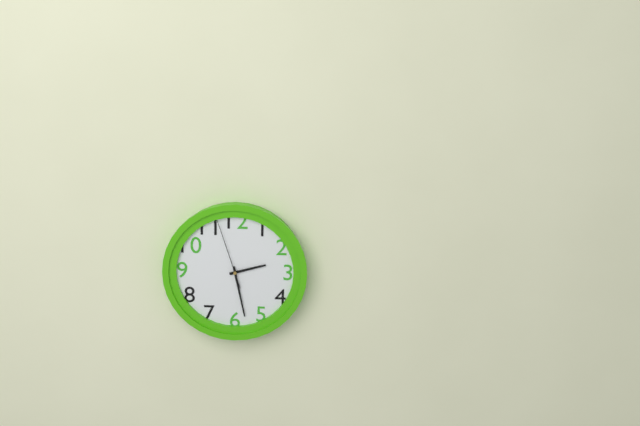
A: 2:28:57
